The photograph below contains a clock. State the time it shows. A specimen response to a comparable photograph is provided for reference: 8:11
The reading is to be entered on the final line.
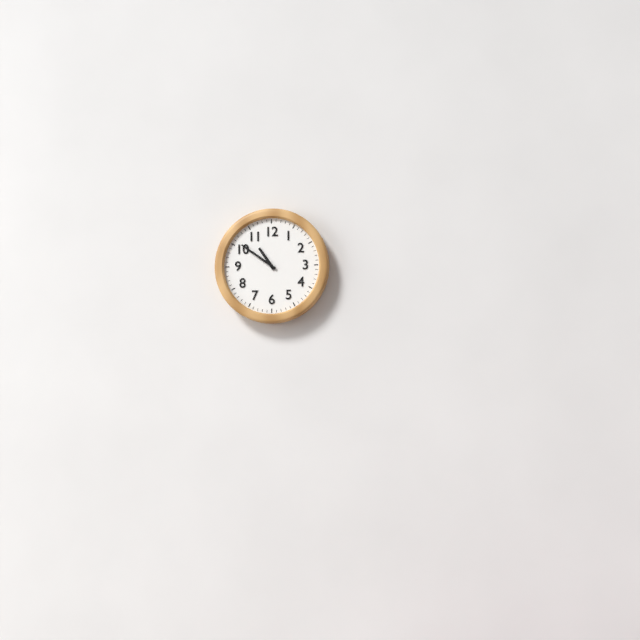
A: 10:51
